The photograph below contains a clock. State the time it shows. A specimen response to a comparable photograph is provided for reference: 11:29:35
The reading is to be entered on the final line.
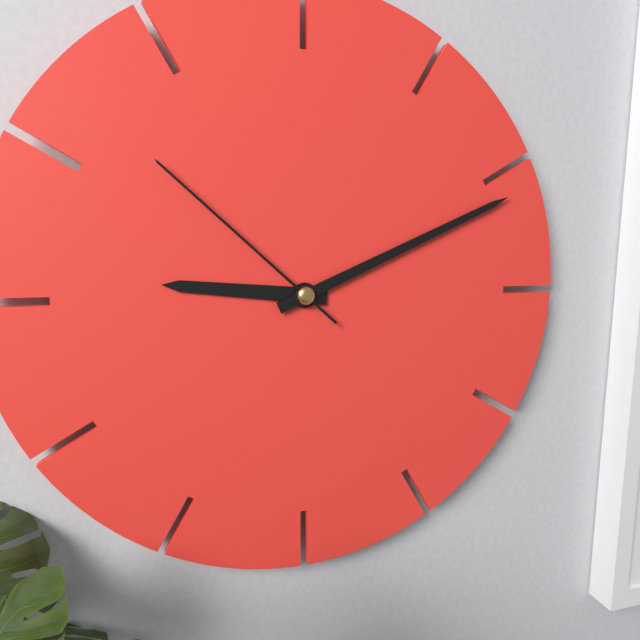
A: 9:11:52
